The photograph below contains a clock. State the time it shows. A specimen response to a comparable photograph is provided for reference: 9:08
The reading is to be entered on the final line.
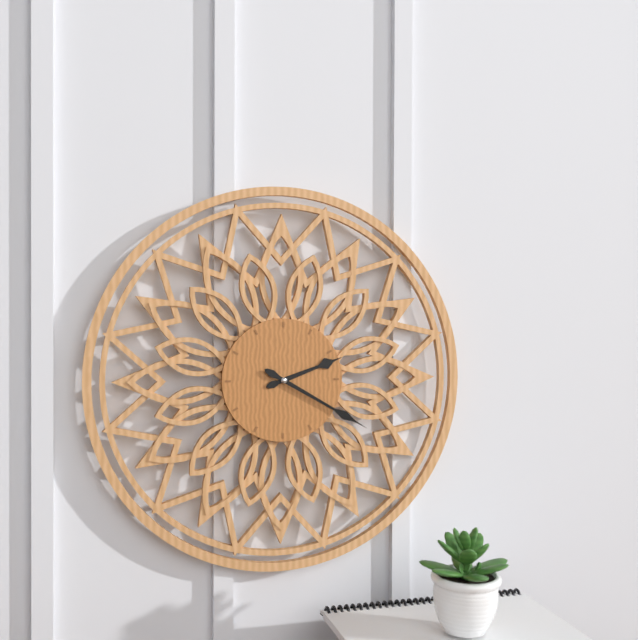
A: 2:20
